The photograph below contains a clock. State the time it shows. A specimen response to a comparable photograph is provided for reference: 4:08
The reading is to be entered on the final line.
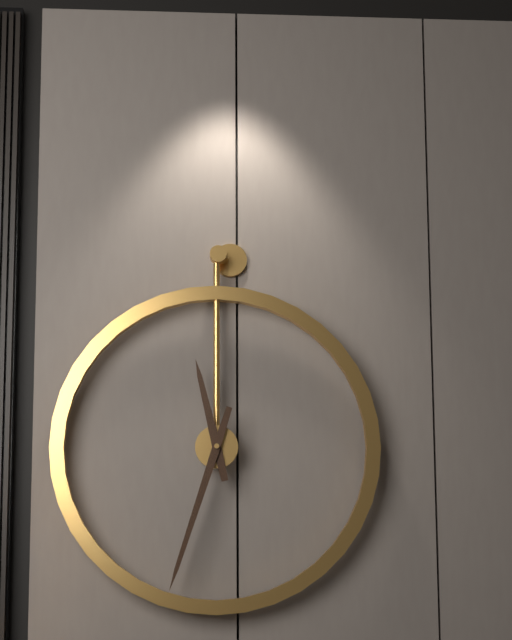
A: 11:33
